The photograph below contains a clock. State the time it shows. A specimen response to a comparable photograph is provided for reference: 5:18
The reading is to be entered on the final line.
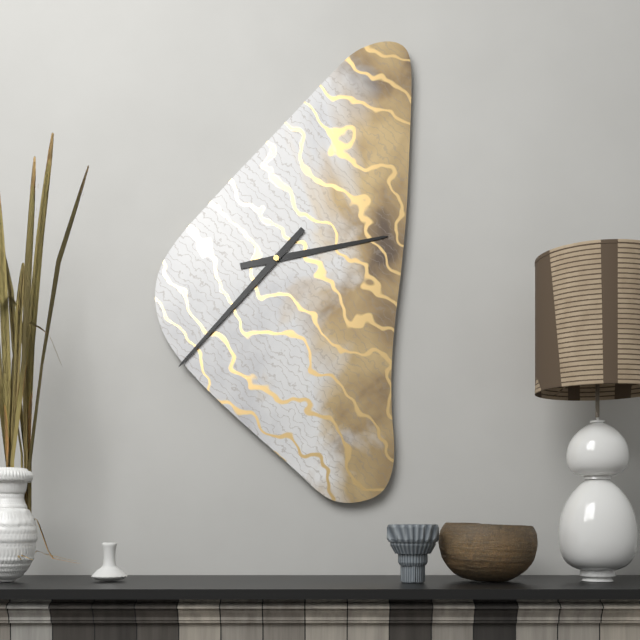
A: 2:37
